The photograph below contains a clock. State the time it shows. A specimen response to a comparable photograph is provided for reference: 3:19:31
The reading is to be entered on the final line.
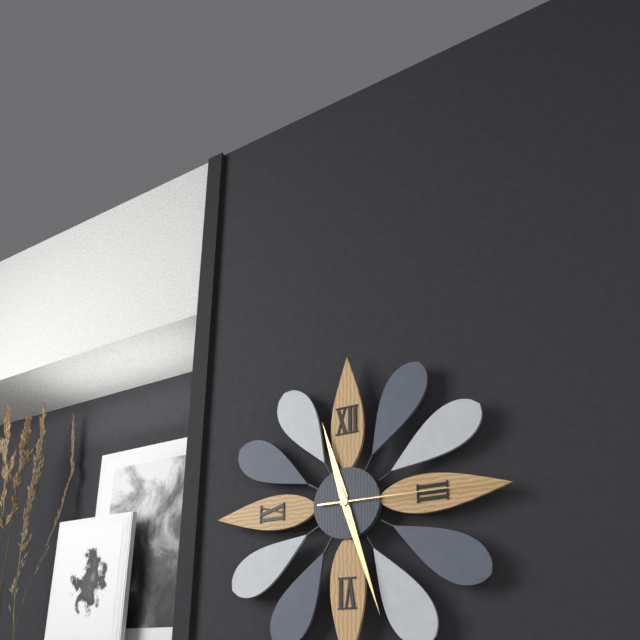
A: 11:27:15
